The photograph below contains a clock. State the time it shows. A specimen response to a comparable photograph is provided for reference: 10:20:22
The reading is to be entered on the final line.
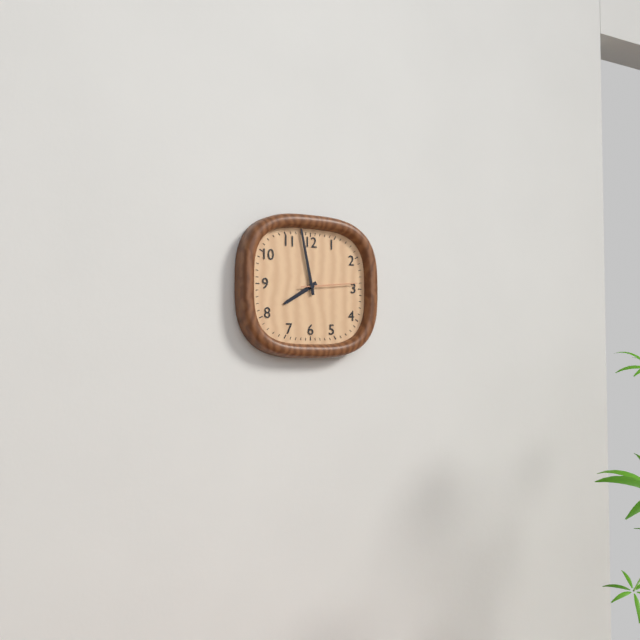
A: 7:58:14
